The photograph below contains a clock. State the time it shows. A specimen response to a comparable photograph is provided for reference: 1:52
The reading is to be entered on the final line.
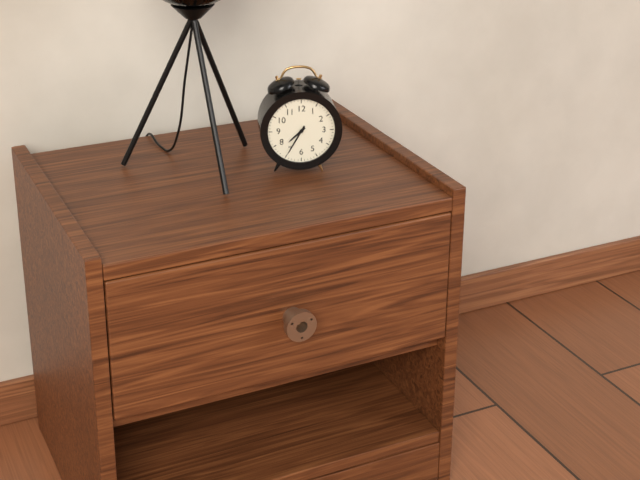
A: 7:35
